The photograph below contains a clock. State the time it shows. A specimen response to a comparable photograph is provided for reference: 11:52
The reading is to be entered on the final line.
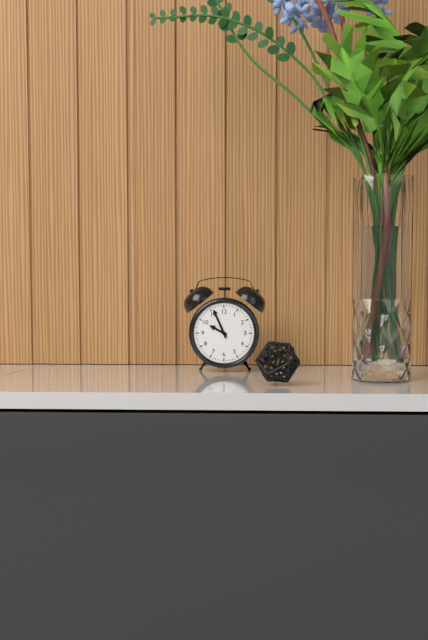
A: 9:56
